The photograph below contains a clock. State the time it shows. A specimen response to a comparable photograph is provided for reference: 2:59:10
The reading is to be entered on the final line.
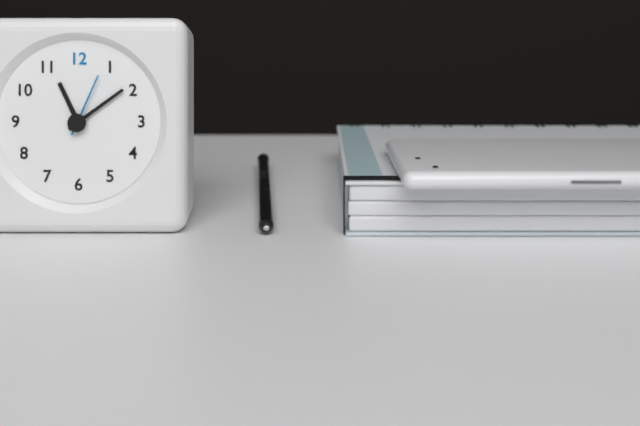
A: 11:09:04
